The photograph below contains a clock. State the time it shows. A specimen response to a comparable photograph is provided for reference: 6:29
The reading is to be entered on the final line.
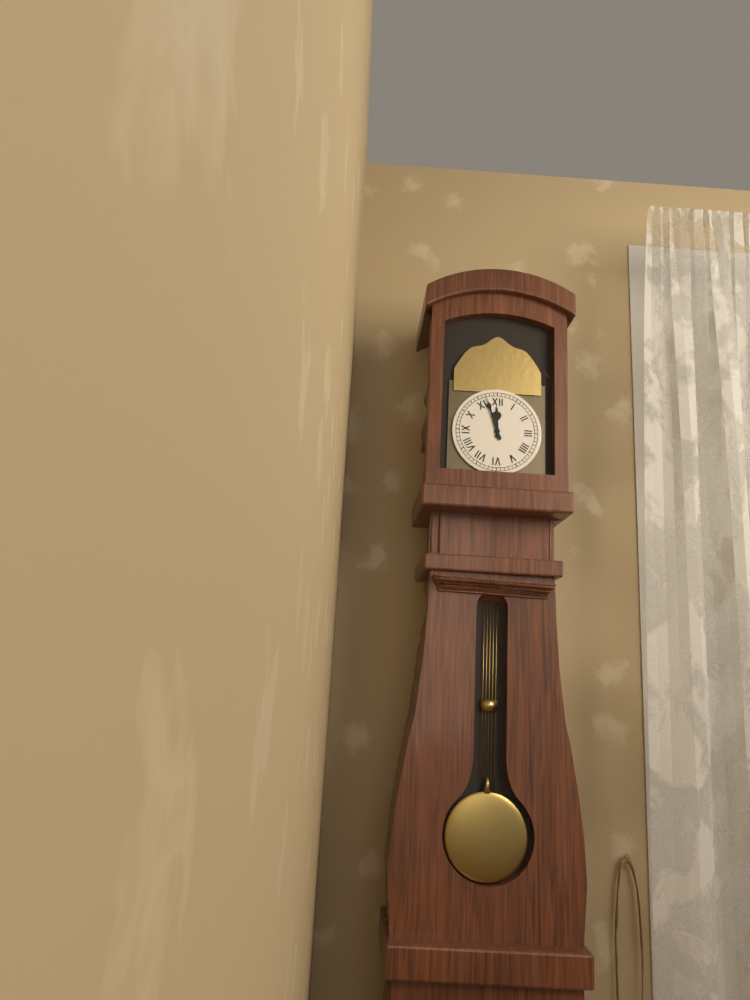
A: 11:57
